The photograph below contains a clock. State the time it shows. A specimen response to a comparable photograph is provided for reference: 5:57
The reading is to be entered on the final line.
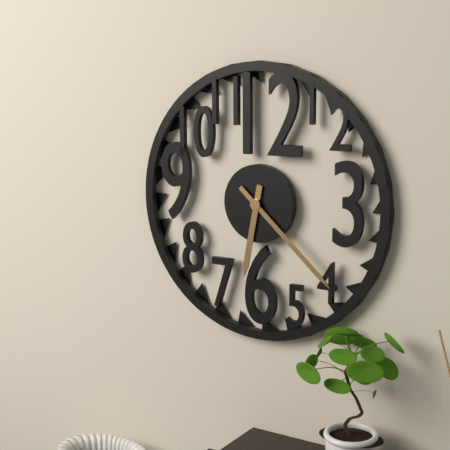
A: 6:22
